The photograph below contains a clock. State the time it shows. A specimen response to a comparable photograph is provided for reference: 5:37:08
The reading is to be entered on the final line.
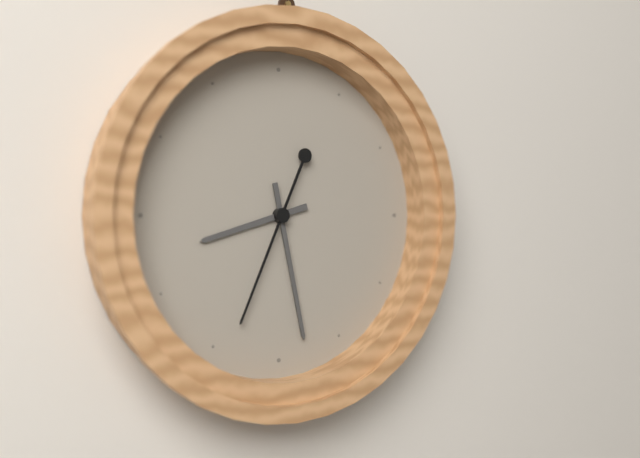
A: 8:28:34
